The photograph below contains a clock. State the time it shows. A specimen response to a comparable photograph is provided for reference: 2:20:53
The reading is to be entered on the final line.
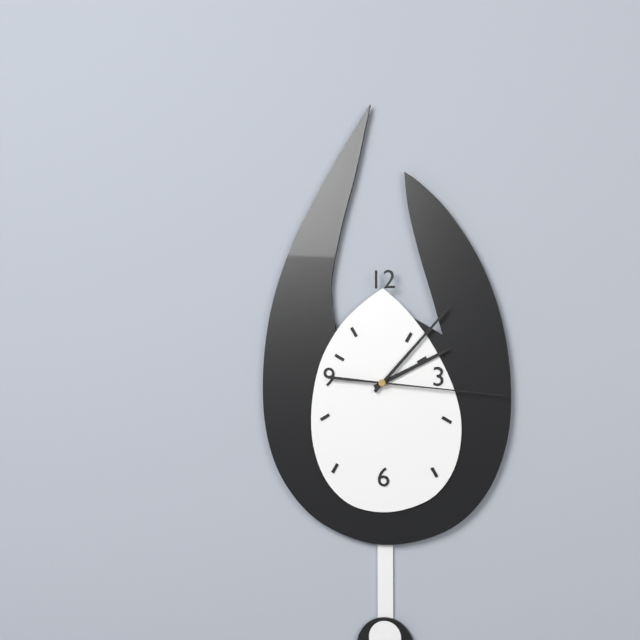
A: 2:07:16
